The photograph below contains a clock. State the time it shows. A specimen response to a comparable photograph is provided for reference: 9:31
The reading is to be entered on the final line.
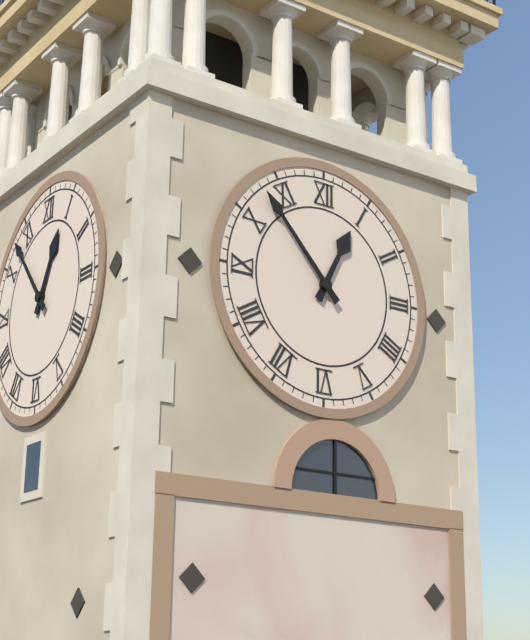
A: 12:53
